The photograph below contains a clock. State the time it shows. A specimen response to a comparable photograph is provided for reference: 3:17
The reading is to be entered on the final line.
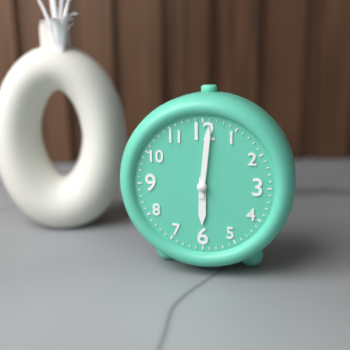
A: 6:01
